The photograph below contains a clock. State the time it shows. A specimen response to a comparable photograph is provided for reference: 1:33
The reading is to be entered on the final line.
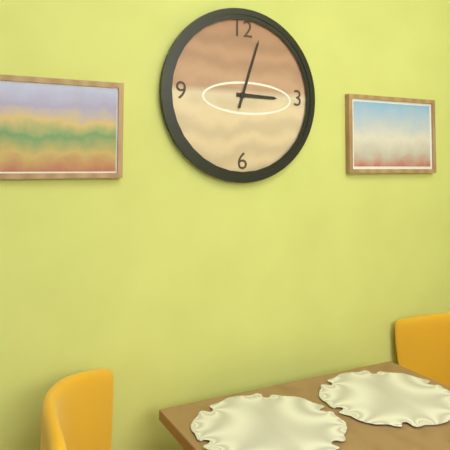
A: 3:03
